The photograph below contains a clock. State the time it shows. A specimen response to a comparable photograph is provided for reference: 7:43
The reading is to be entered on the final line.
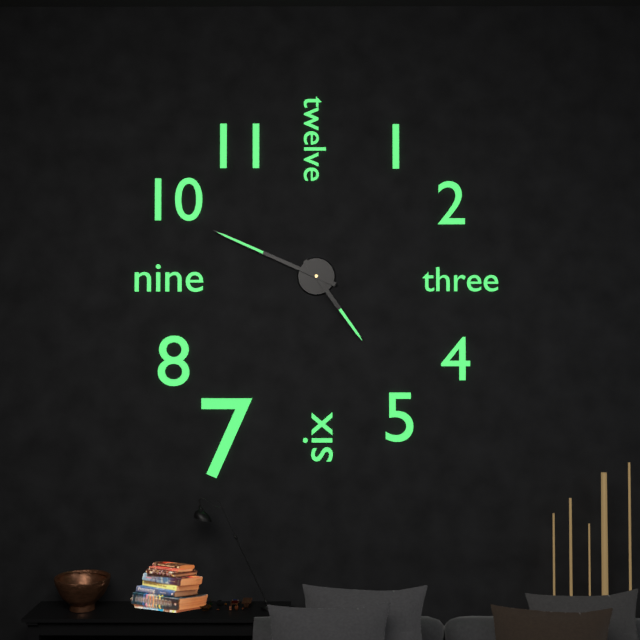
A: 4:49
